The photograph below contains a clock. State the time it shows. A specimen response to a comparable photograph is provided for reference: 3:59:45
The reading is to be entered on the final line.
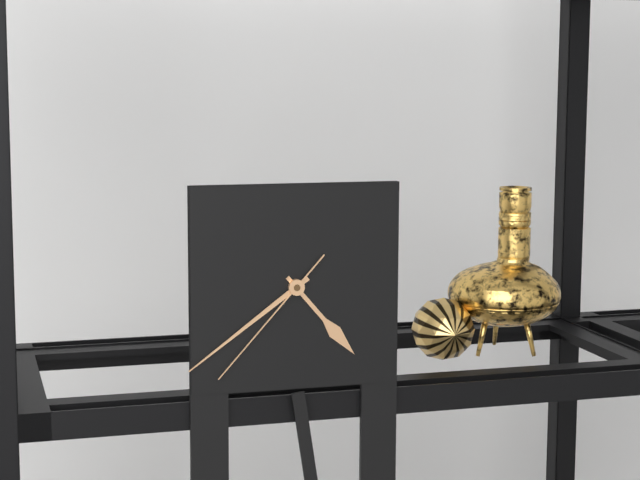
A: 4:39:37
